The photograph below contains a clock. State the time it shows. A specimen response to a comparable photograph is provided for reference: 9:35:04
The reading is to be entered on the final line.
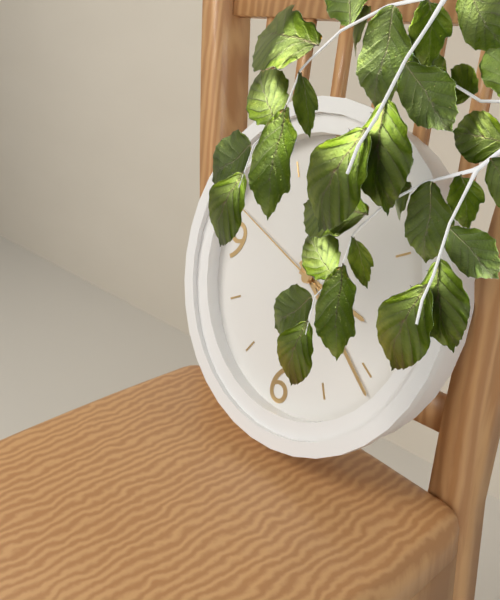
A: 3:21:48
